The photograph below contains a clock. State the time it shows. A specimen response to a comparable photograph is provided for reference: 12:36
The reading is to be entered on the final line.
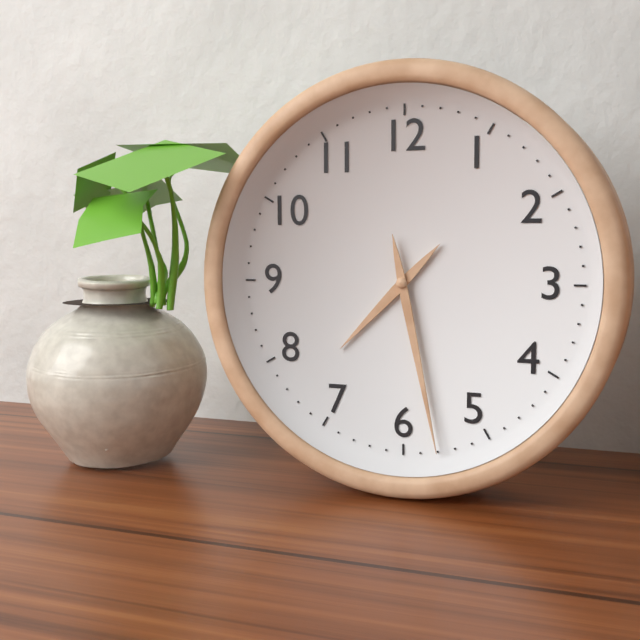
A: 7:28
